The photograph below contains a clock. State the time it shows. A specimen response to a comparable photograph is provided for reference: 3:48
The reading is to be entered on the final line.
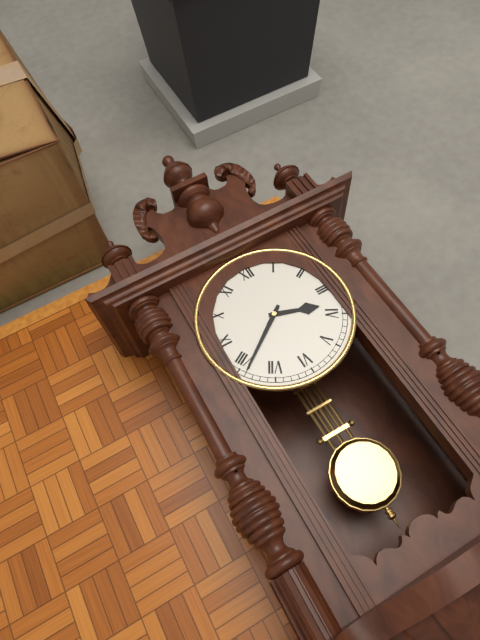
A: 3:39
